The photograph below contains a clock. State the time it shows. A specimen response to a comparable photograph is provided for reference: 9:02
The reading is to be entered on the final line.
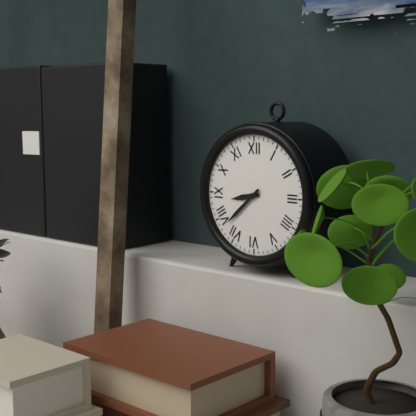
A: 8:38
